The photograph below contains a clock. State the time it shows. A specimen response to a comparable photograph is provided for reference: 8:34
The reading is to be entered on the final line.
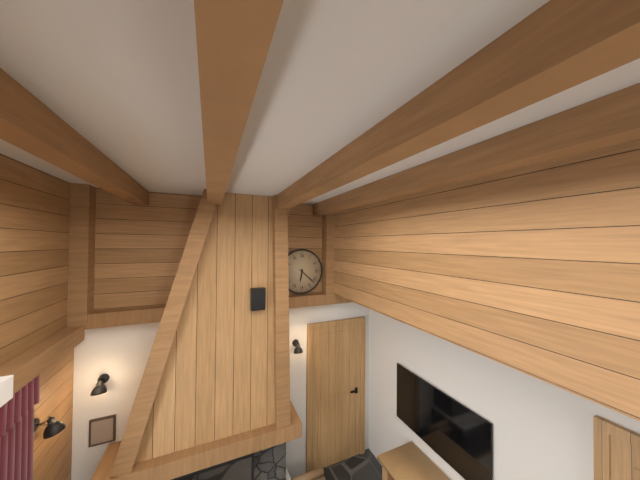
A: 6:22
